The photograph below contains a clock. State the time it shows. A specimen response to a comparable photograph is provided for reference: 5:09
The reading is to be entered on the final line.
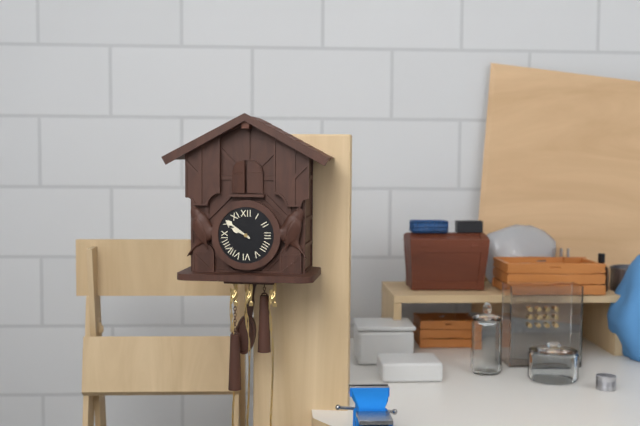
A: 9:51
